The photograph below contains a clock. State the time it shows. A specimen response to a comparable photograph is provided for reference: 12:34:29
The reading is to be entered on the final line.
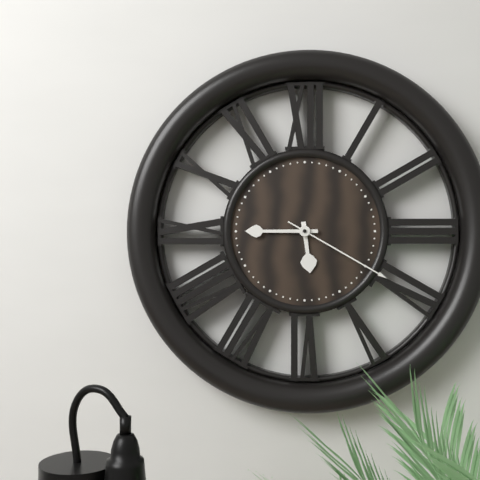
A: 5:45:20
